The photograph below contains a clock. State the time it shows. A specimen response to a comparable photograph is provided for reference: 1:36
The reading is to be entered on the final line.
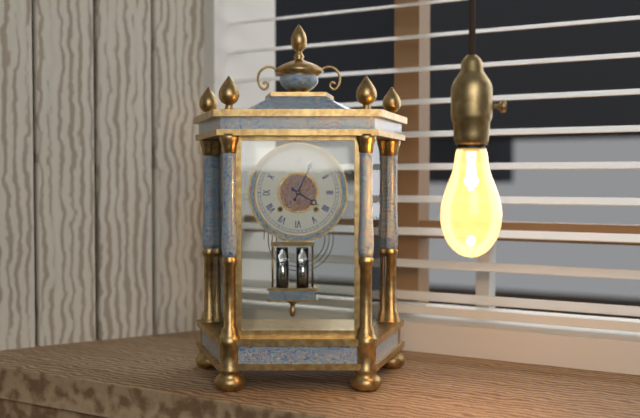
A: 4:04
